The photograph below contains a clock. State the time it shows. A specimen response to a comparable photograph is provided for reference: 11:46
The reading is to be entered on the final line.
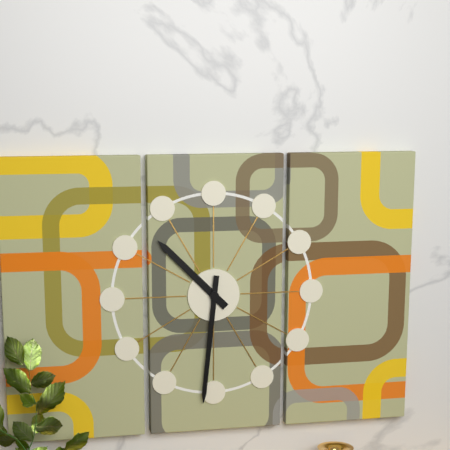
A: 10:31
